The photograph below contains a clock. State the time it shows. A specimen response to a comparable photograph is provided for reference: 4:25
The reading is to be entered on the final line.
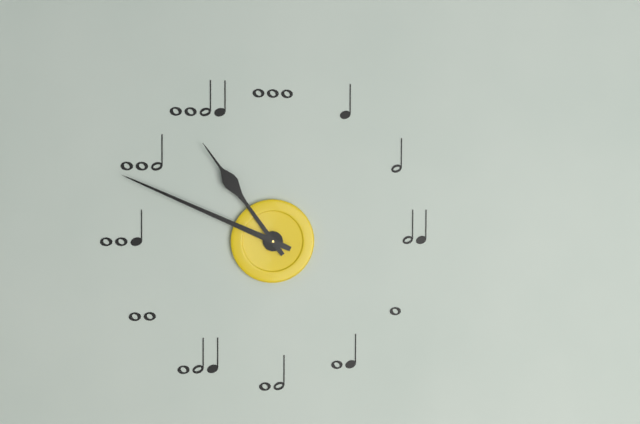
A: 10:49
